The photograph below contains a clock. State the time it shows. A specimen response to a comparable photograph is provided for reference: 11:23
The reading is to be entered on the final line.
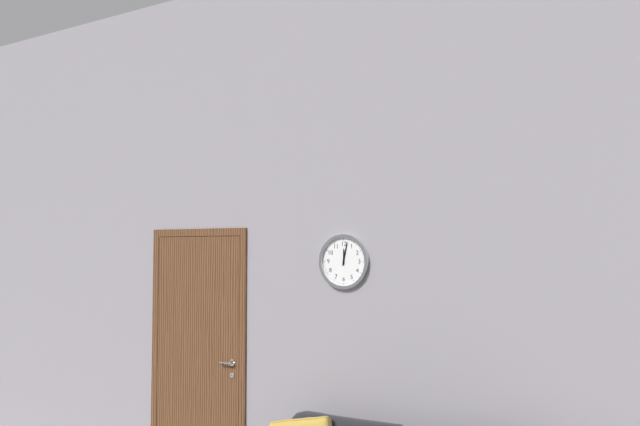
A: 12:02
